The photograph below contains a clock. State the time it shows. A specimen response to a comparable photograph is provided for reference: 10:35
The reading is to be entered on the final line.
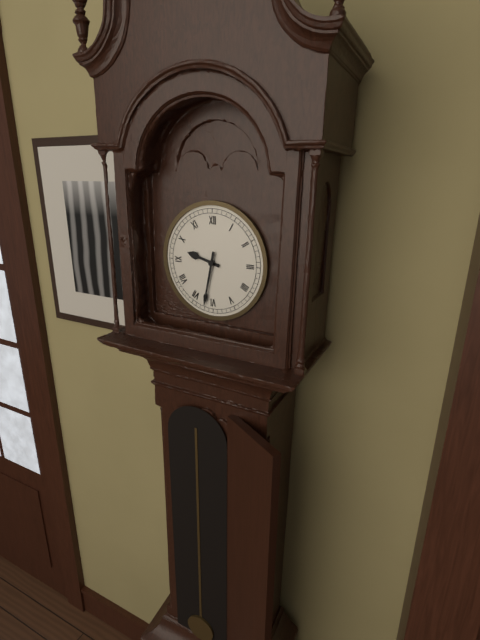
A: 9:32
